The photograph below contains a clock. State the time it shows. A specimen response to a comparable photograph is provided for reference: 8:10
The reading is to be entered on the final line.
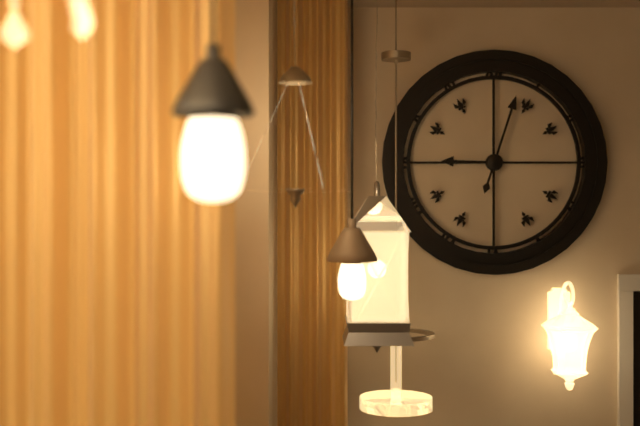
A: 9:03
